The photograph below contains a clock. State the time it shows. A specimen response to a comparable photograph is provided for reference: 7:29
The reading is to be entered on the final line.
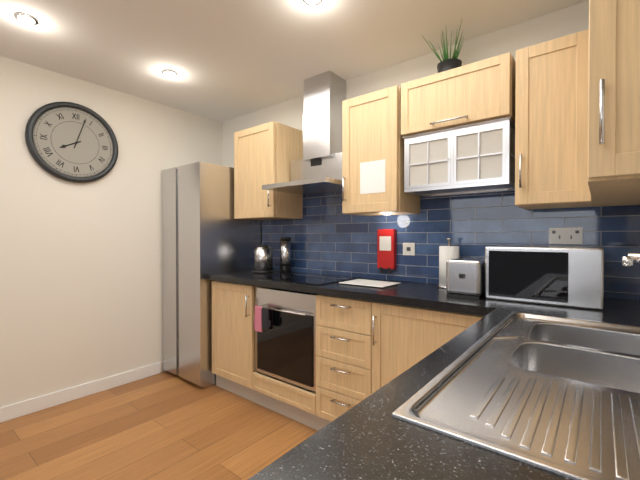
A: 8:03
